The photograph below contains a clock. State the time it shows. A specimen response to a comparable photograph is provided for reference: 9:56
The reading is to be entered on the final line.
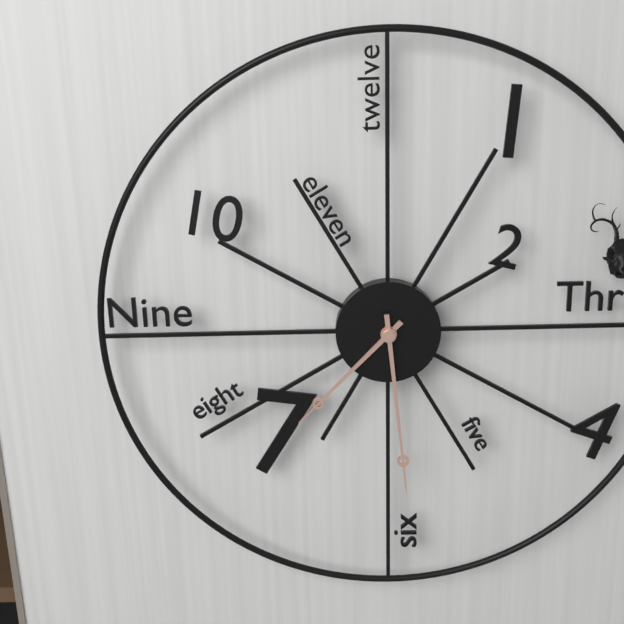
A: 7:29
